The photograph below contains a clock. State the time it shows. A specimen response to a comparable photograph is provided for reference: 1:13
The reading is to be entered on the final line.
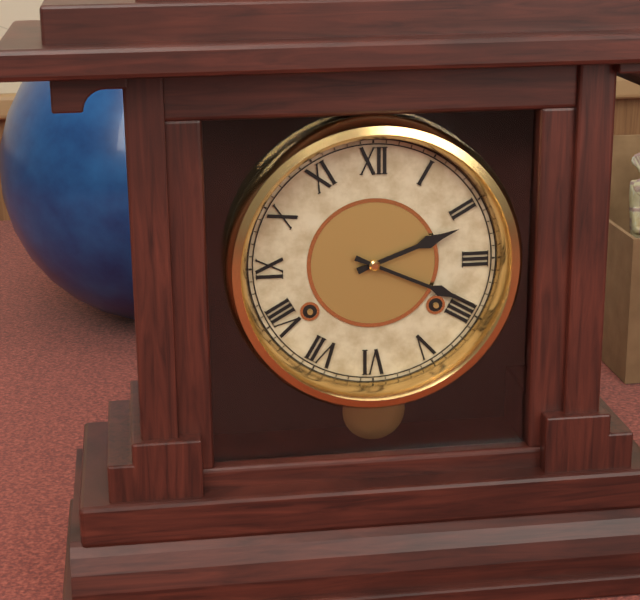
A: 2:19
